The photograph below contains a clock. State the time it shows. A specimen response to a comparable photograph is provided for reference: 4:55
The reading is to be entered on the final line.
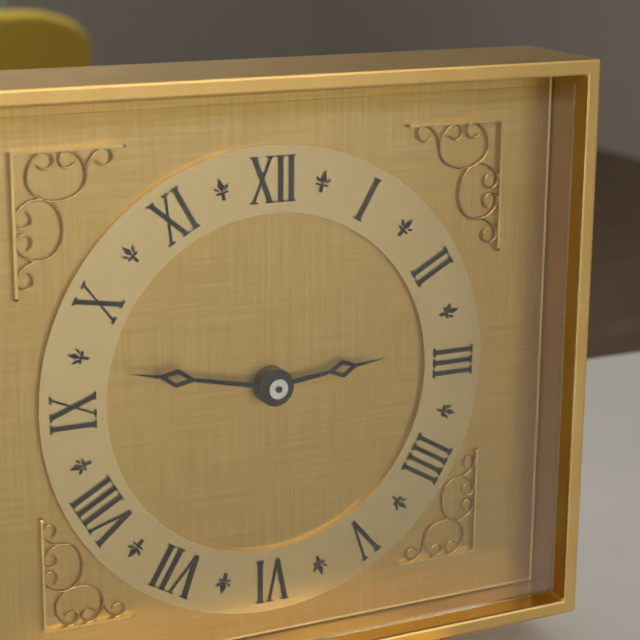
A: 2:47
